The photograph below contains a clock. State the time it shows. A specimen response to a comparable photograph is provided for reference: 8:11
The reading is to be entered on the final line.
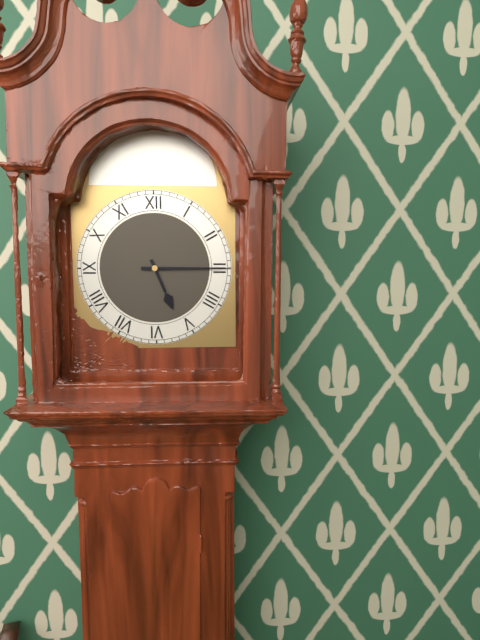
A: 5:15
